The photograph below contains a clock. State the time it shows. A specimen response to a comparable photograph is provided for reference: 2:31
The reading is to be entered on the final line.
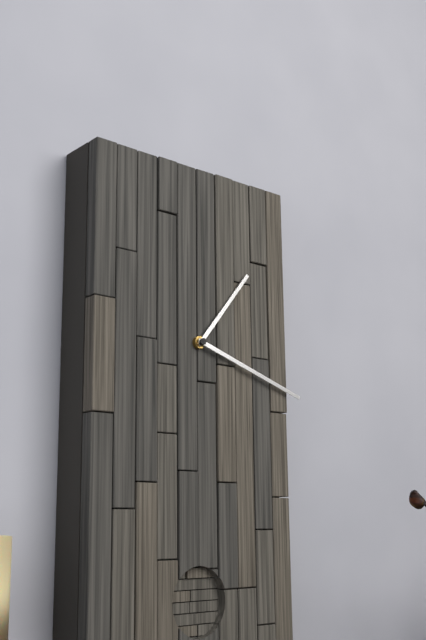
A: 1:18
